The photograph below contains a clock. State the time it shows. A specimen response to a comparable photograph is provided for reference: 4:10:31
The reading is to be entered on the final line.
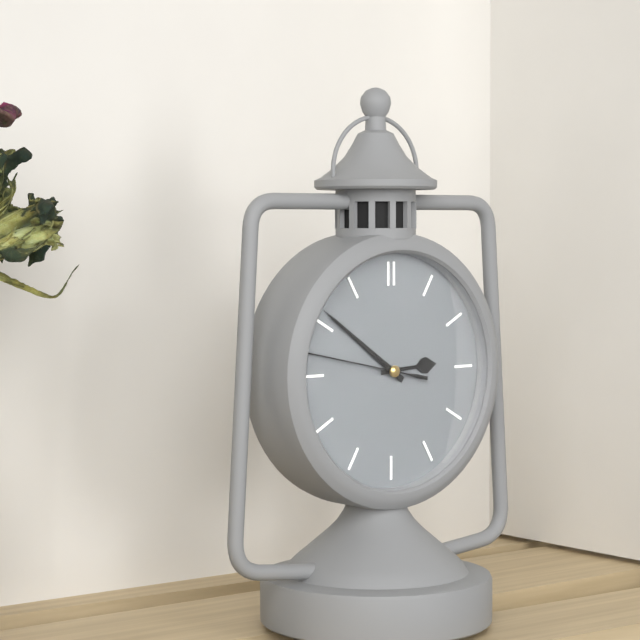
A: 2:51:47
